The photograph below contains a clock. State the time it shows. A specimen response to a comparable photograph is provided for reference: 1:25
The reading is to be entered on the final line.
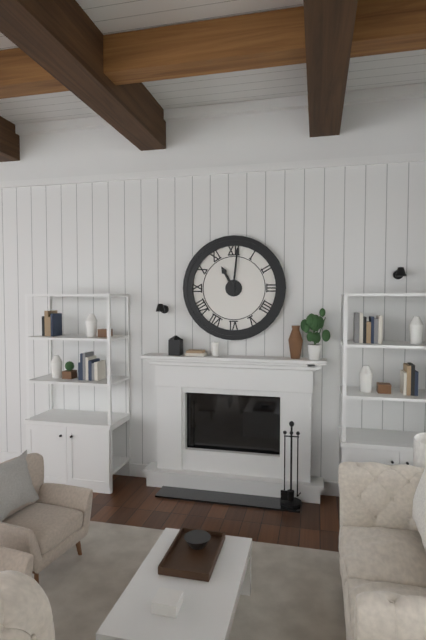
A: 11:01
